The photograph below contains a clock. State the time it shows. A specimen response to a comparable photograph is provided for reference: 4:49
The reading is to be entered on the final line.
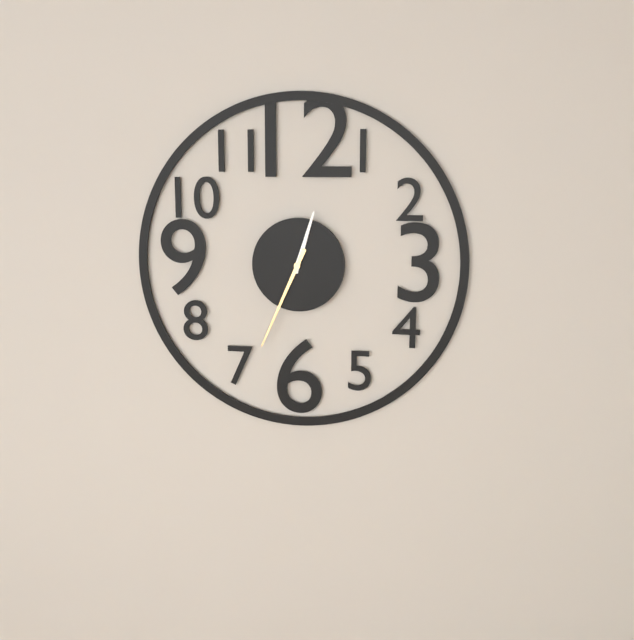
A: 12:34
